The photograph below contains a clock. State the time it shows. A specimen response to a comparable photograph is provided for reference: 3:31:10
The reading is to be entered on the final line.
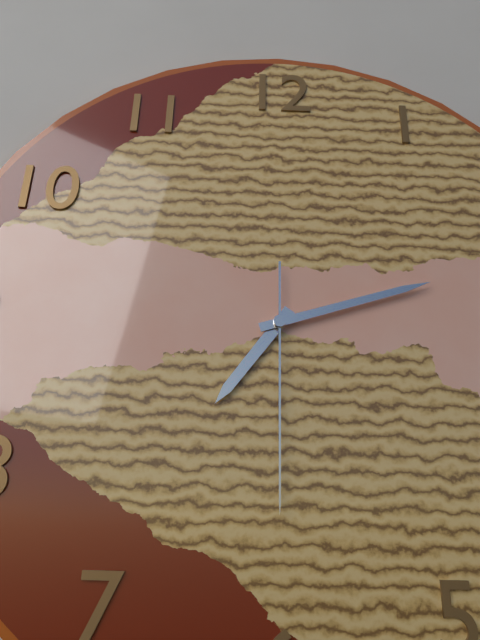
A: 7:12:30
